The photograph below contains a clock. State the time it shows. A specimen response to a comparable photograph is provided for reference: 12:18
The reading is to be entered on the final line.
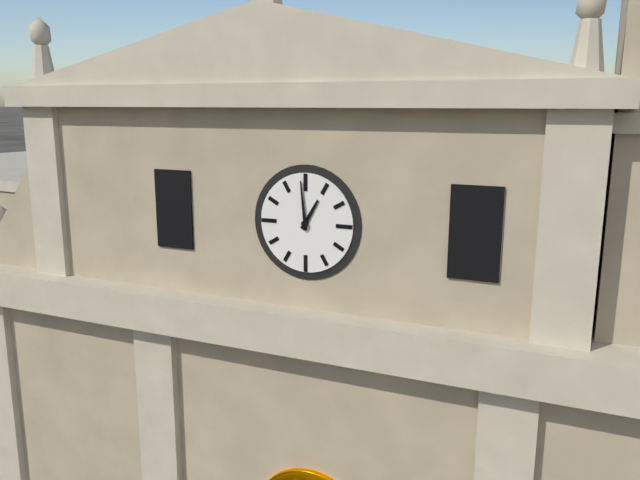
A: 12:59
